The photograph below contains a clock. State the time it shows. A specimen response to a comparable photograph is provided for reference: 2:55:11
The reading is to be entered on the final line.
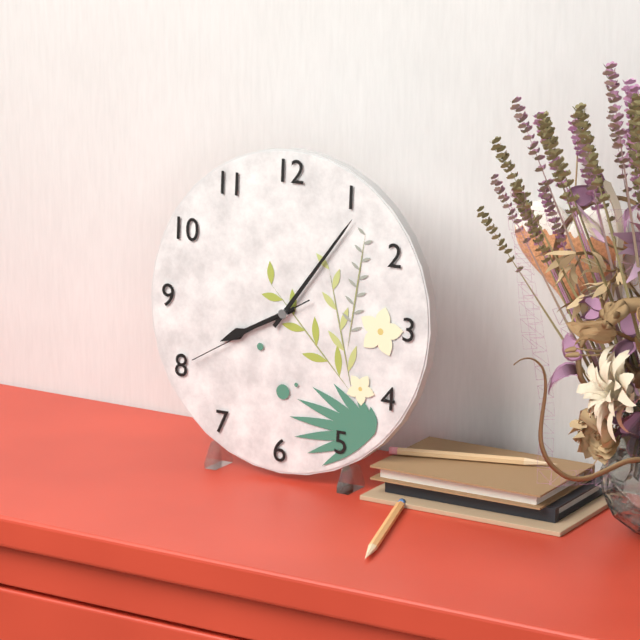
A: 8:06:40
